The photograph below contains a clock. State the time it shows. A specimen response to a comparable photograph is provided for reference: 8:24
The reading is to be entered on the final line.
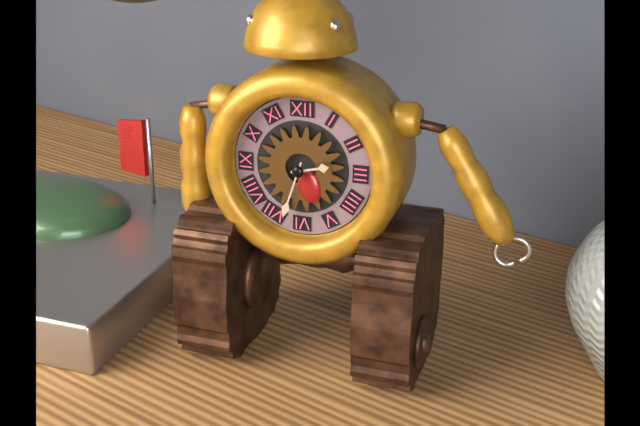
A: 2:33
